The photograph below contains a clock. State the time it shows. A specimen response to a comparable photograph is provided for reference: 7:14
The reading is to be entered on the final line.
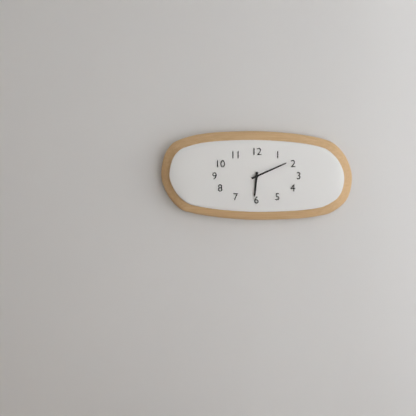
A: 6:11
